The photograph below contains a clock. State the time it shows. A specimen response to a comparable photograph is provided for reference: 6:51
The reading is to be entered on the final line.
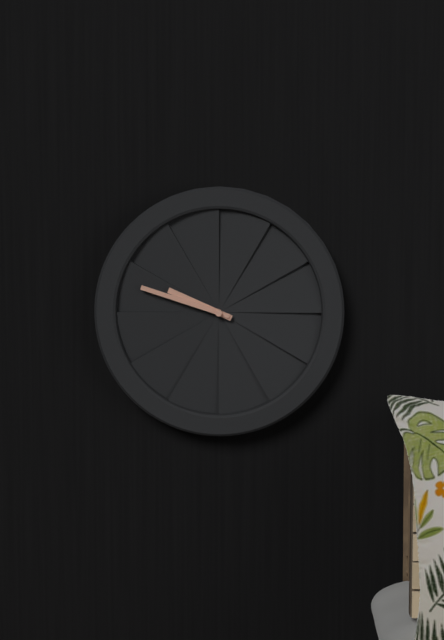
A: 9:48
